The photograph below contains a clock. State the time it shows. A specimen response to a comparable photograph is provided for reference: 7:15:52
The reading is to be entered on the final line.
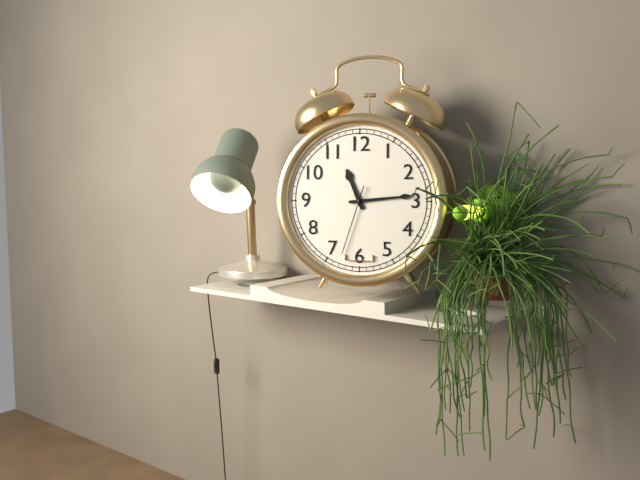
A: 11:14:33
